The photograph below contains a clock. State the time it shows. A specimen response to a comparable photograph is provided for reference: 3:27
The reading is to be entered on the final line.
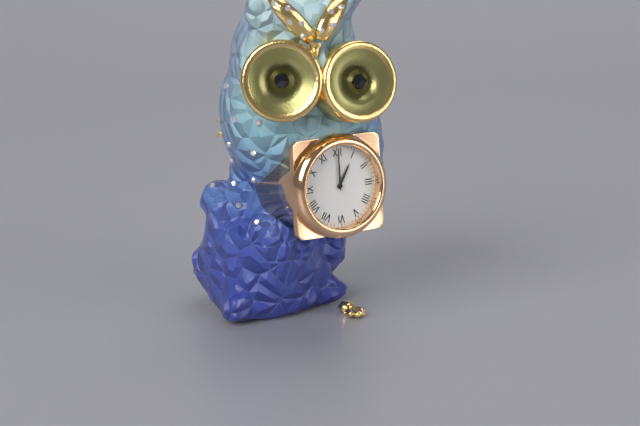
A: 1:00
